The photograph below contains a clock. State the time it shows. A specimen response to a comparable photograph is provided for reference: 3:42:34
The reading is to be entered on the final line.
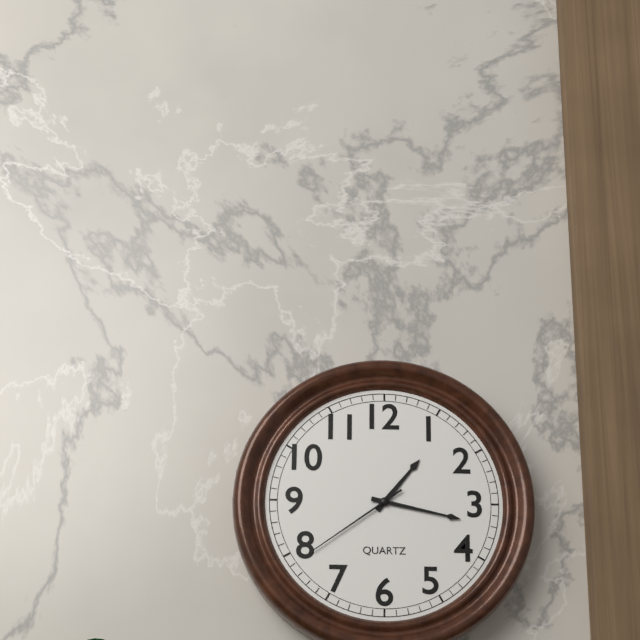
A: 1:17:39
